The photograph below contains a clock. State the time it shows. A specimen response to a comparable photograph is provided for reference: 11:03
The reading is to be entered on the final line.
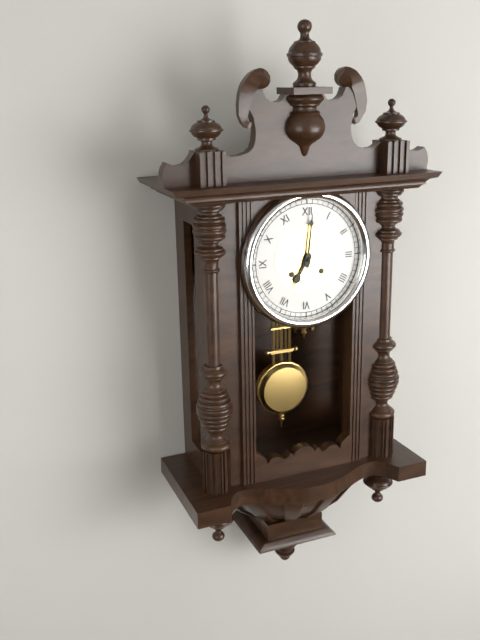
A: 7:01
